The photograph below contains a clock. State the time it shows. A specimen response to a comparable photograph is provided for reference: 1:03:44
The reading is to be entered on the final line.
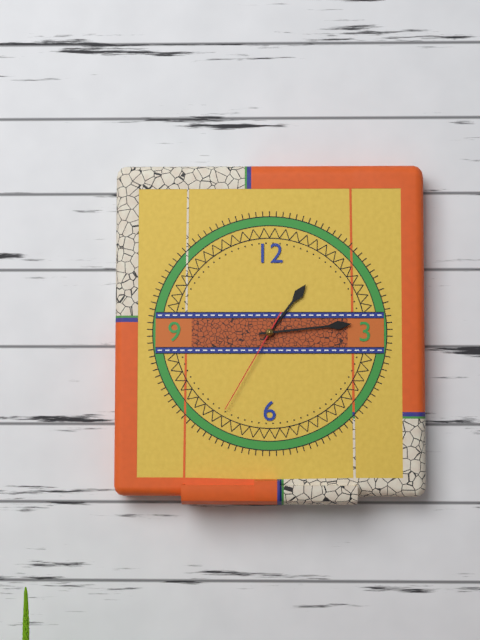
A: 1:14:35
